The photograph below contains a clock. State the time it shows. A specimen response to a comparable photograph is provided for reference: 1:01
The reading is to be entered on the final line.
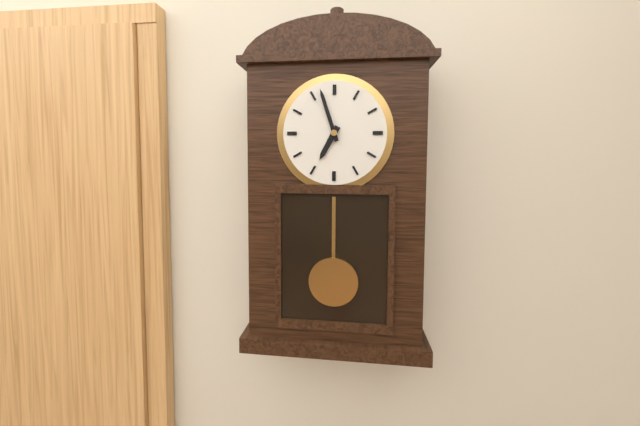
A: 6:57
